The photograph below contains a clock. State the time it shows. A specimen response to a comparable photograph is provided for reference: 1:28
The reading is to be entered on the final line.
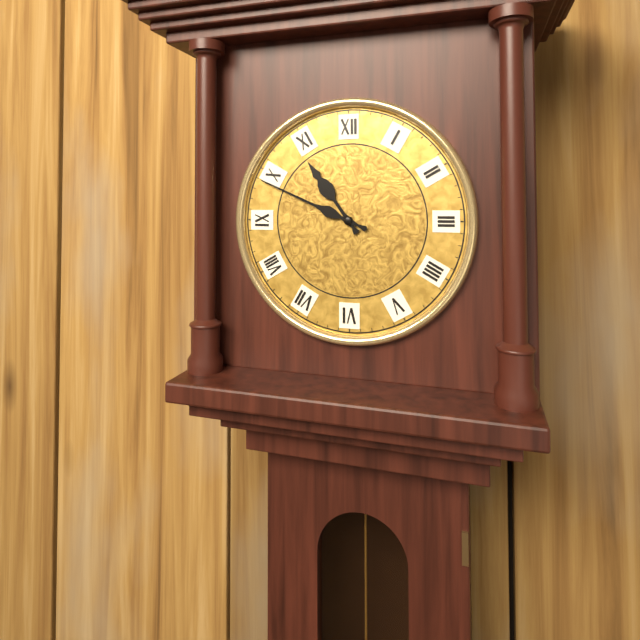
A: 10:49
